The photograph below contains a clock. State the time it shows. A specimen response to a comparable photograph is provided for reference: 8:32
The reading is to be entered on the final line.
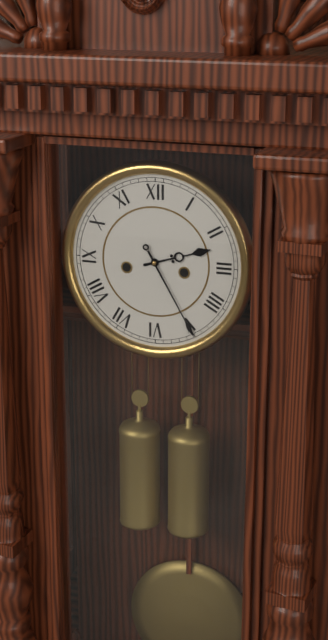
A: 2:25
